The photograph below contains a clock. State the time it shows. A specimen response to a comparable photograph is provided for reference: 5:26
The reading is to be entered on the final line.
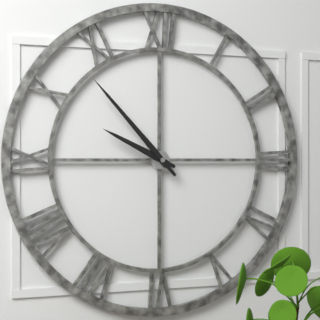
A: 9:53
